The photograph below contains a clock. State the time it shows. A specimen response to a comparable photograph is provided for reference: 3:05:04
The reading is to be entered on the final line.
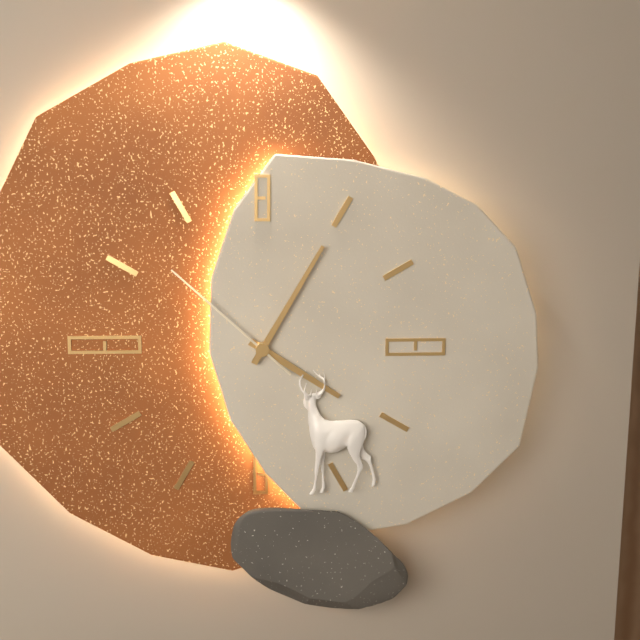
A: 4:05:52
